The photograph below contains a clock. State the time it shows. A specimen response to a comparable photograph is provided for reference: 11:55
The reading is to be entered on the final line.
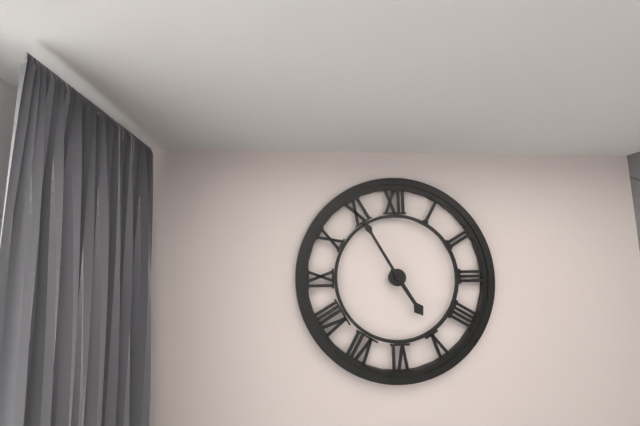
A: 4:55
